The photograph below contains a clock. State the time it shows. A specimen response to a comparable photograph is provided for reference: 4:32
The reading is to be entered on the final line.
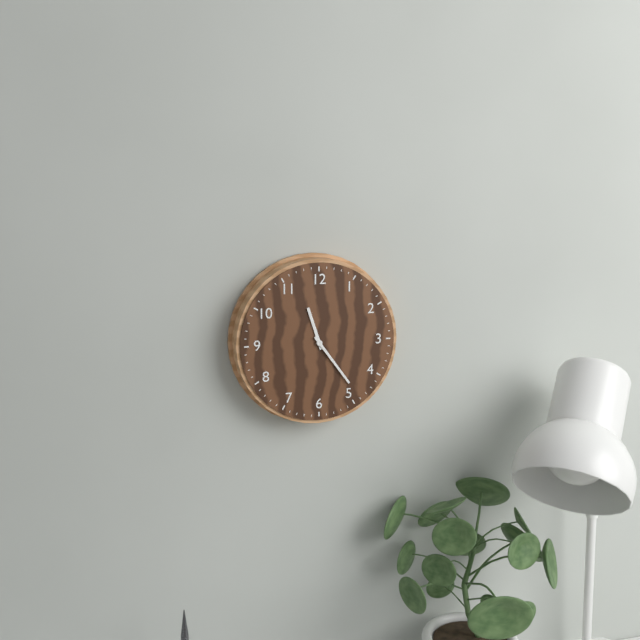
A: 11:24
